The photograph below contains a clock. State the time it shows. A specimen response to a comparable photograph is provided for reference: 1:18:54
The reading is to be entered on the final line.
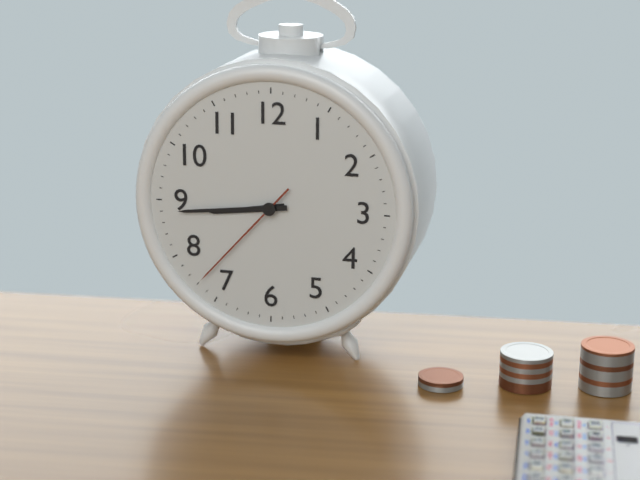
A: 8:44:37
